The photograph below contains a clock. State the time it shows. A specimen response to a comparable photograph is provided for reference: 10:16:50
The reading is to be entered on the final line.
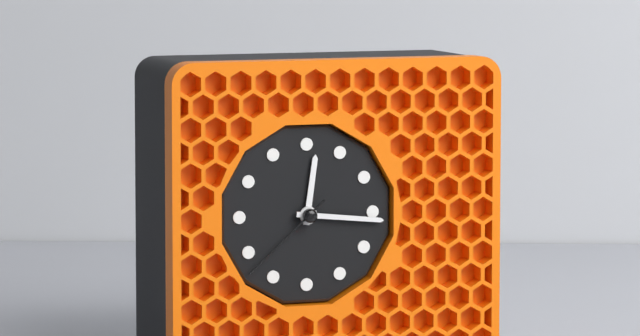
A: 12:16:38
